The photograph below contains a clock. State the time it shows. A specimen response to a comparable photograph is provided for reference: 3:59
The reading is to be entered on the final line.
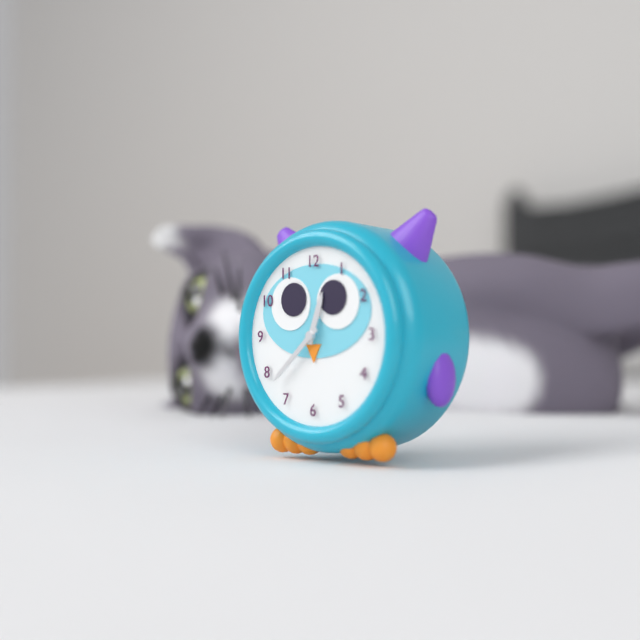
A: 12:38
